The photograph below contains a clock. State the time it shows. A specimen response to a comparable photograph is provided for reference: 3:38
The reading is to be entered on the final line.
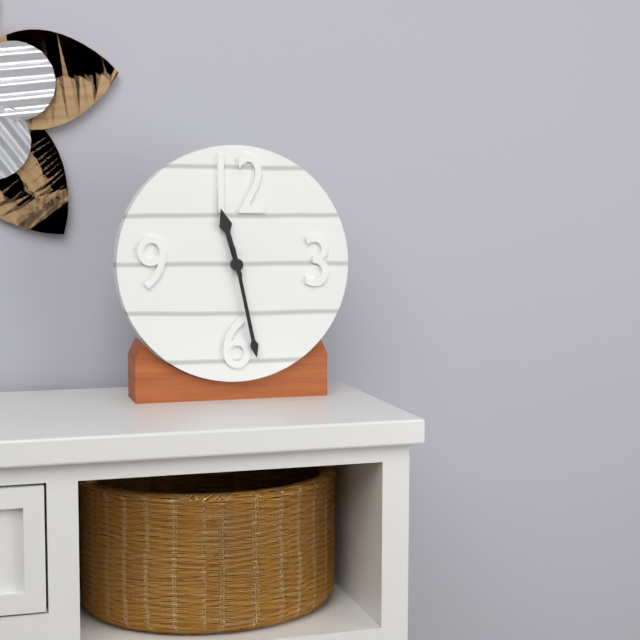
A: 11:28
